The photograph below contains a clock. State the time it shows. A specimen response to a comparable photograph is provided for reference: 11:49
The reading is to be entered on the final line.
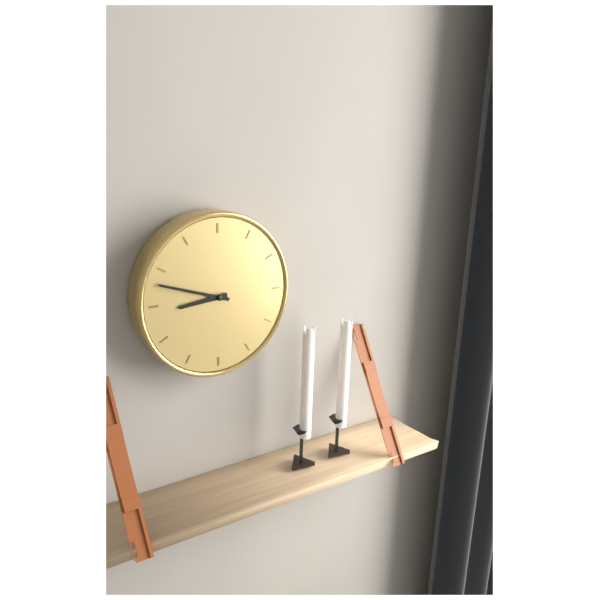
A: 8:48
